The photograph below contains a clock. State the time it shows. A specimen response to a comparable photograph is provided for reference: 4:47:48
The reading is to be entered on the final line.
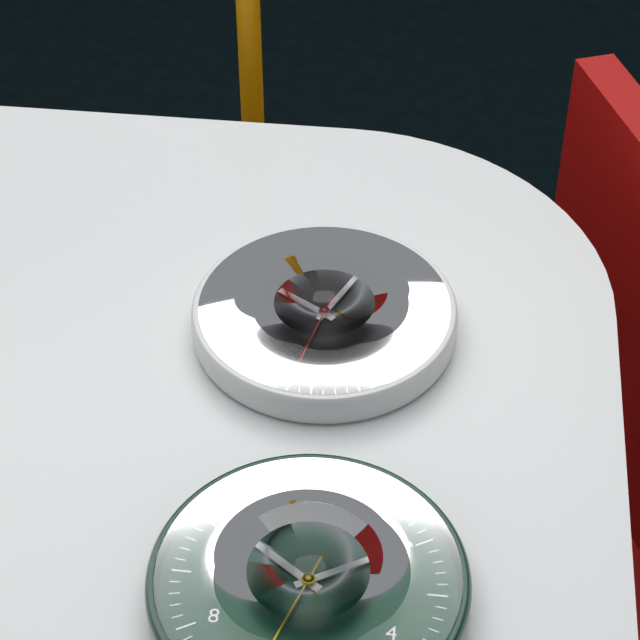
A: 10:04:32
